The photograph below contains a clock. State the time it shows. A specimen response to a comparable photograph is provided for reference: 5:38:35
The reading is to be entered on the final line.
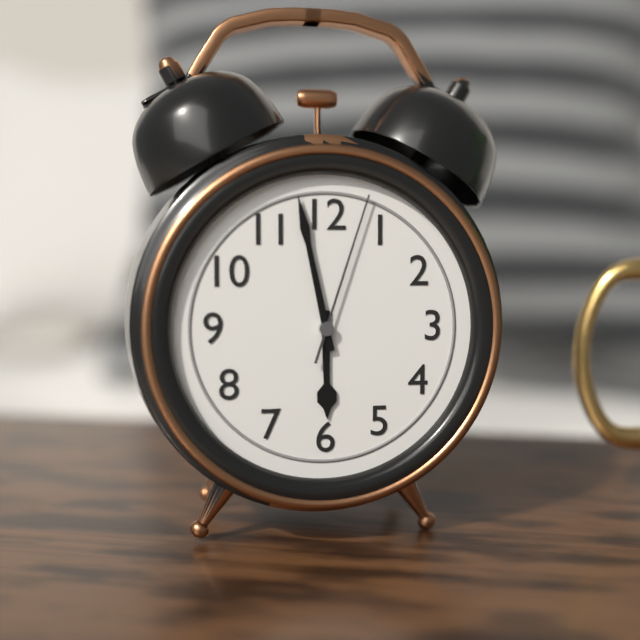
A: 5:58:03
